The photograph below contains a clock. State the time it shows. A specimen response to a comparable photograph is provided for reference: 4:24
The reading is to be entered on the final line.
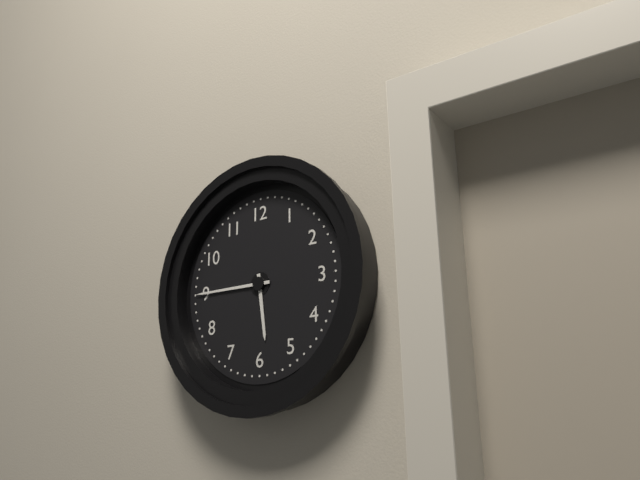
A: 5:45
